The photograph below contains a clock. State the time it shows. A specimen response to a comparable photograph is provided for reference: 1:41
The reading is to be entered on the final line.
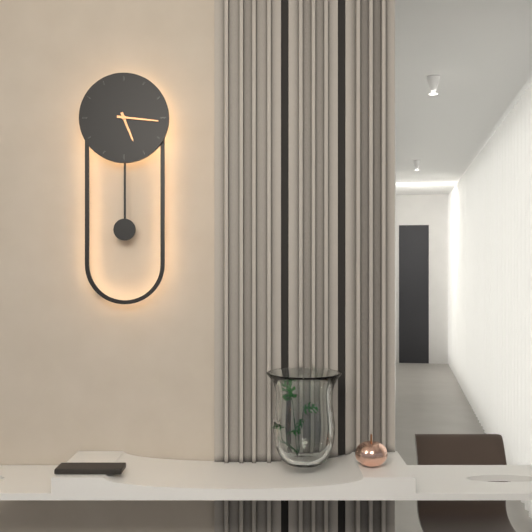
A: 5:16
